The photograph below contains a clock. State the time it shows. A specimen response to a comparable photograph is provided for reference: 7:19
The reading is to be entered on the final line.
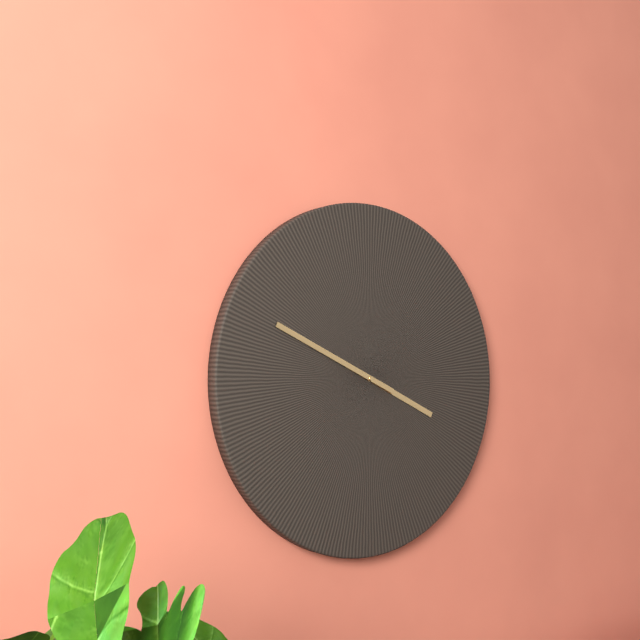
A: 3:49
